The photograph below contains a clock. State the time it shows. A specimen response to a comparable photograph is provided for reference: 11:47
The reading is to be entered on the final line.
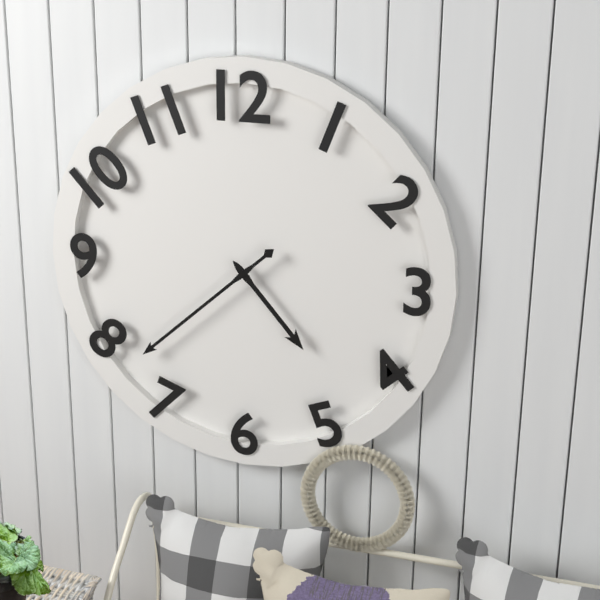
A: 4:38
